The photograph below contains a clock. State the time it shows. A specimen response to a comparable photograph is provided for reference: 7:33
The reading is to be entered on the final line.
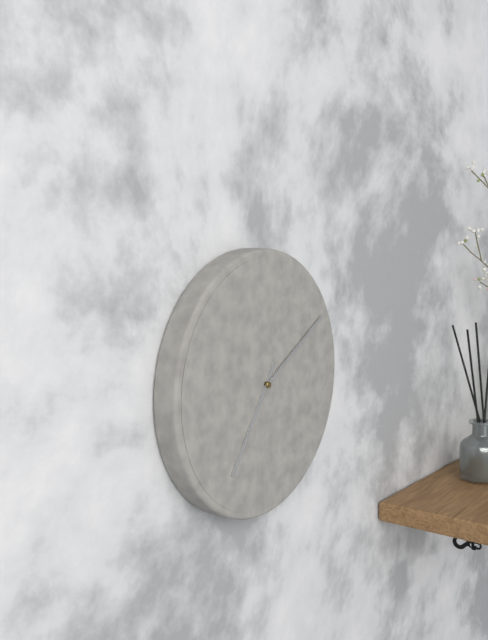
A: 7:10
